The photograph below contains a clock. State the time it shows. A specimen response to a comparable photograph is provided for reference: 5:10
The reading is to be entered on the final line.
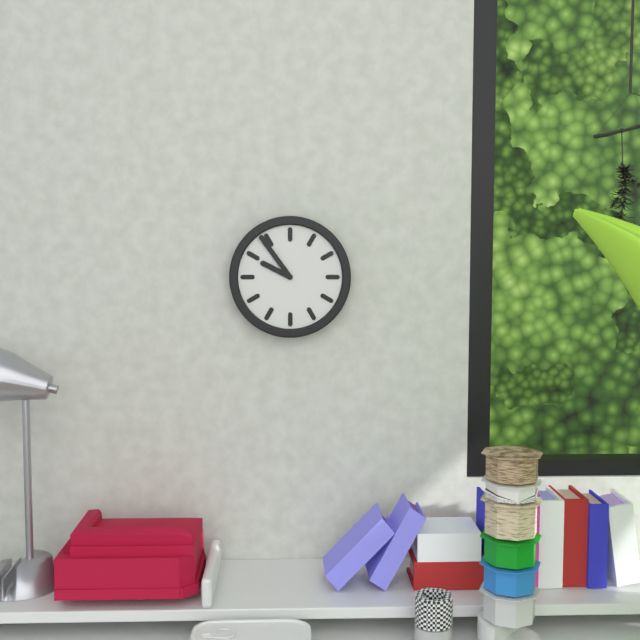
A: 9:54
